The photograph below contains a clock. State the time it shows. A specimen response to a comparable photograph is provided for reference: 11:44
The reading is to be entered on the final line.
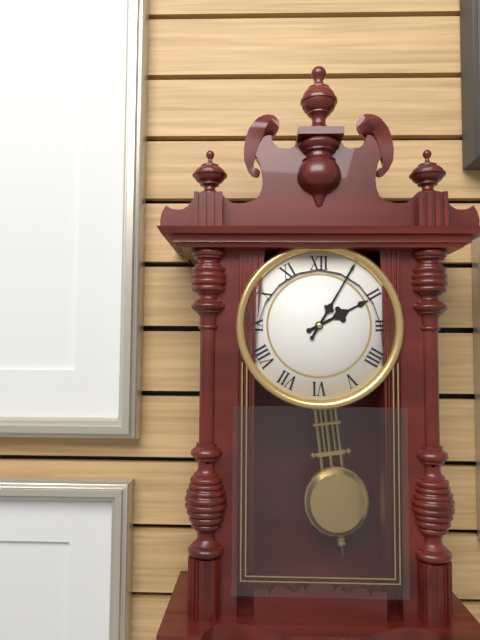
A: 2:05
